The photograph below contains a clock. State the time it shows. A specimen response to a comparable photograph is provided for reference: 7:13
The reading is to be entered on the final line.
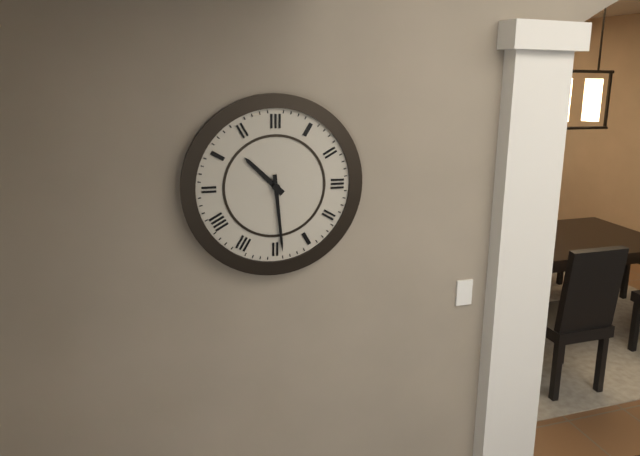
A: 10:29
